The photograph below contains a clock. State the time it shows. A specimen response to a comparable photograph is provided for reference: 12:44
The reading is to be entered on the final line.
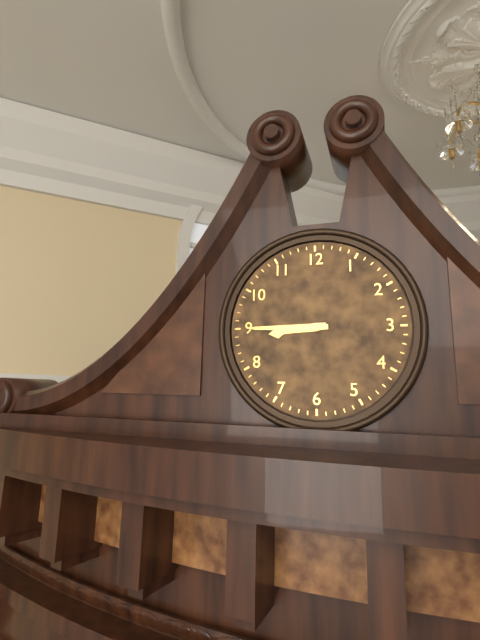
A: 8:45
